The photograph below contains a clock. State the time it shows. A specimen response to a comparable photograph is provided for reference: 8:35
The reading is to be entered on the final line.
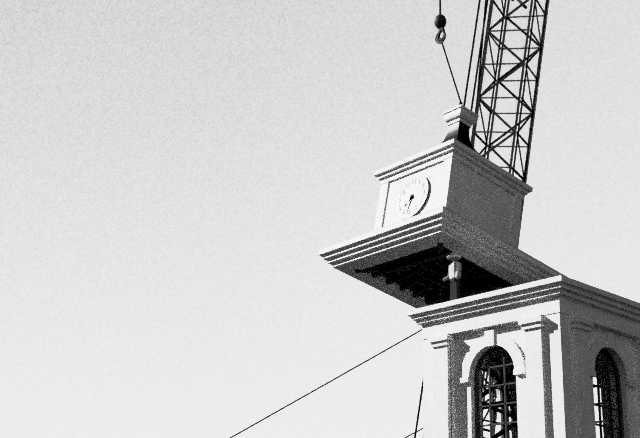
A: 7:33
